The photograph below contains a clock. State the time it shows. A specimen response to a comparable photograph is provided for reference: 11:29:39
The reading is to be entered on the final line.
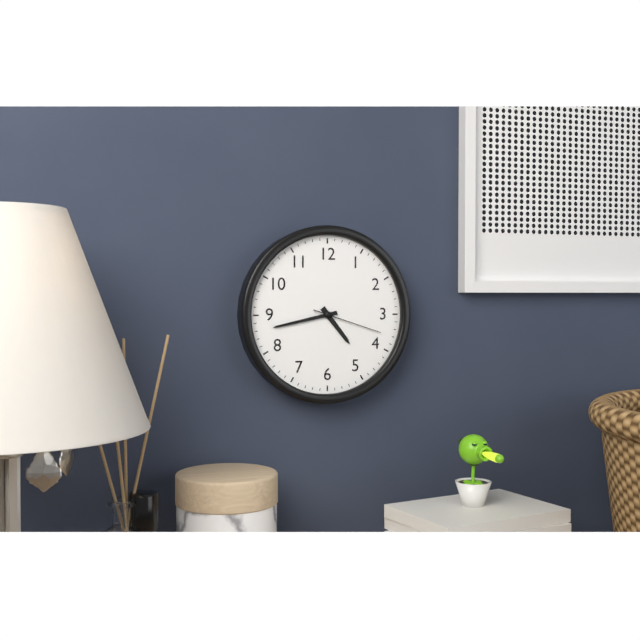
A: 4:43:18
